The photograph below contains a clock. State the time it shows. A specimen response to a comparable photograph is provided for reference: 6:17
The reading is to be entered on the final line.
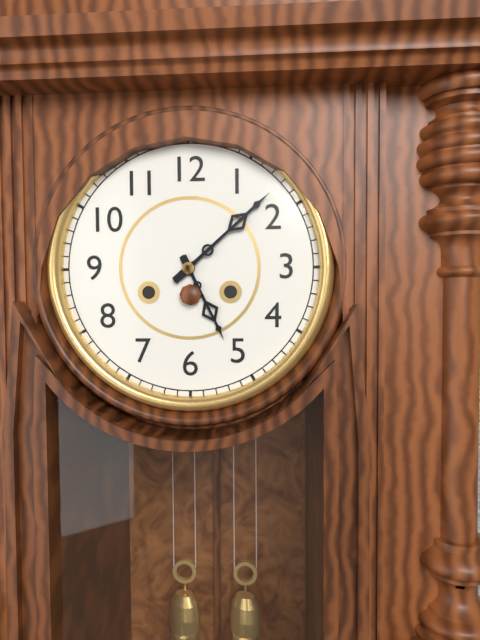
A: 5:08
